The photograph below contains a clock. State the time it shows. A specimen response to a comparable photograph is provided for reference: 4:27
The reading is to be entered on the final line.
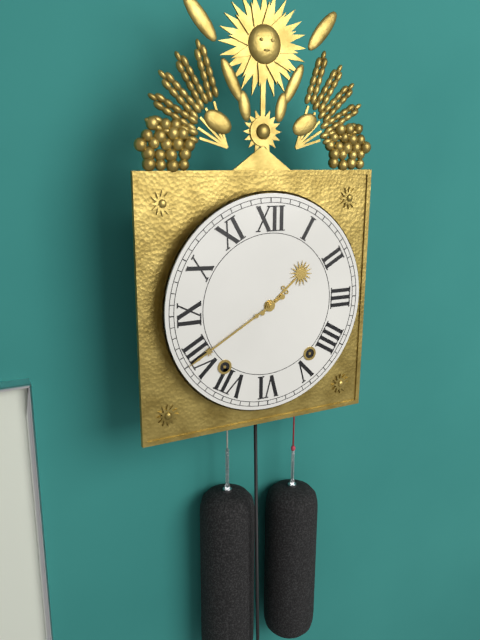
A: 1:40
